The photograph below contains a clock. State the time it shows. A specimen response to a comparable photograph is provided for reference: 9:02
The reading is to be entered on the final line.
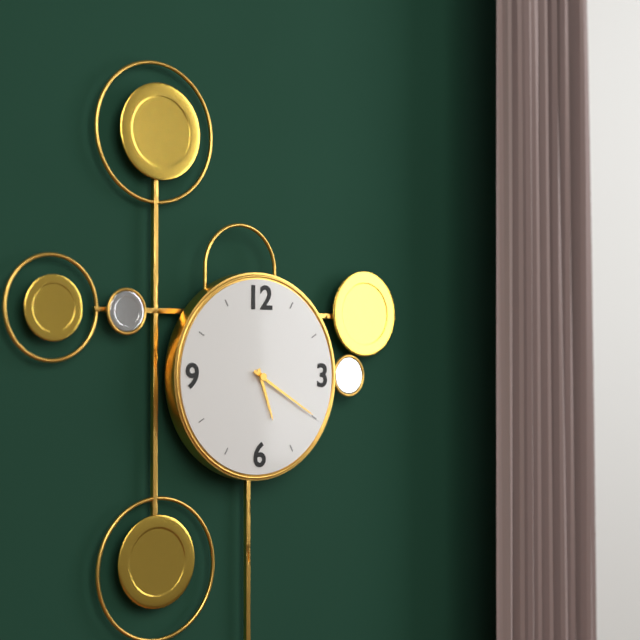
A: 5:20
